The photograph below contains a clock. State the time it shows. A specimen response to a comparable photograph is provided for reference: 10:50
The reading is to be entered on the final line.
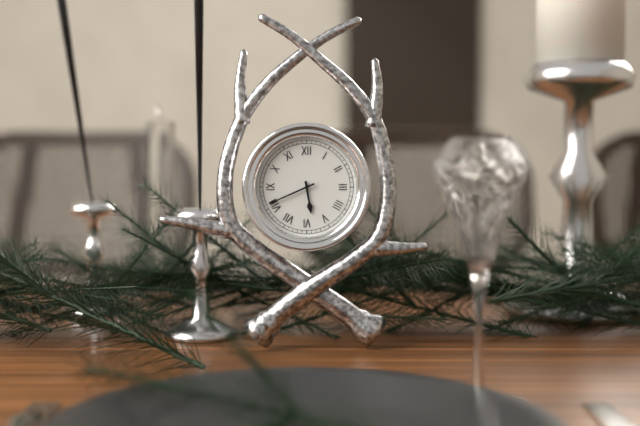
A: 5:41
